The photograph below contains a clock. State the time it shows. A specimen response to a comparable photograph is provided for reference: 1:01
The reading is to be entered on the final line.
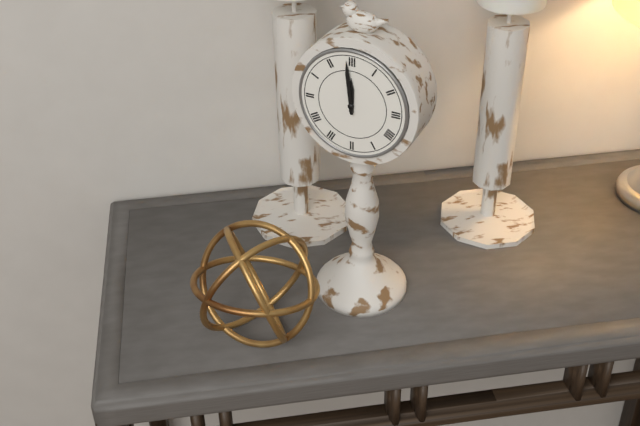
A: 11:59
